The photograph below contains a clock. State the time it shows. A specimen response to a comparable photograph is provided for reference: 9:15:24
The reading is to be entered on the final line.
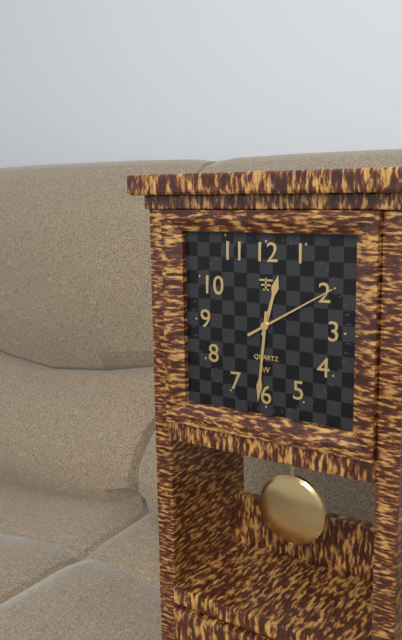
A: 12:31:10
